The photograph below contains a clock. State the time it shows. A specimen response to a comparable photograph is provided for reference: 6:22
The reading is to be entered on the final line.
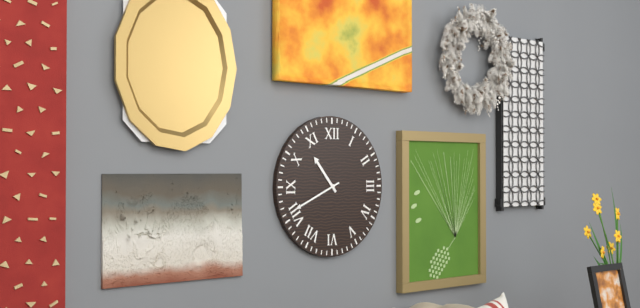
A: 10:41
